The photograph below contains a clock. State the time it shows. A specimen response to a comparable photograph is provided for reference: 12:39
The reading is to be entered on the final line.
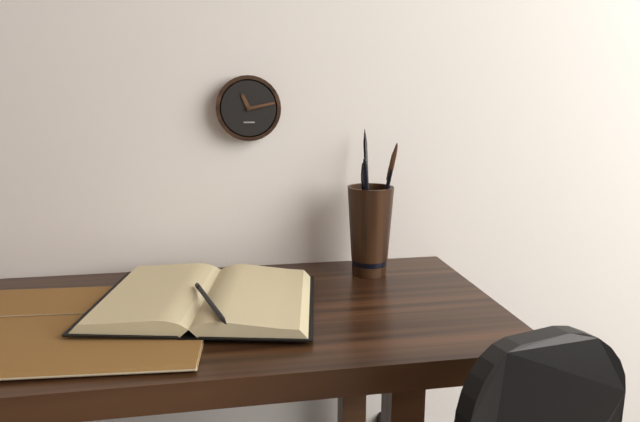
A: 11:13
